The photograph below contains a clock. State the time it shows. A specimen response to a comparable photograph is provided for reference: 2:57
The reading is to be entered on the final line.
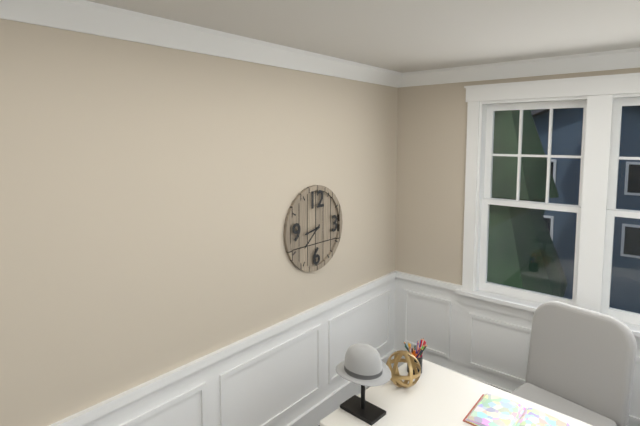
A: 8:38
